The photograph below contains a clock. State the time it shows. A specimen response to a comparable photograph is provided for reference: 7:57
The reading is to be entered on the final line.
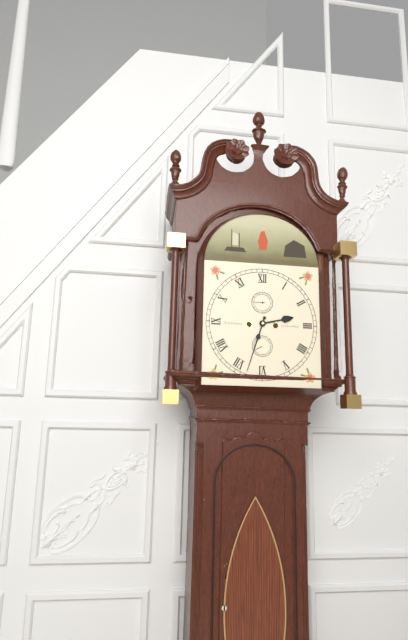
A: 2:33
